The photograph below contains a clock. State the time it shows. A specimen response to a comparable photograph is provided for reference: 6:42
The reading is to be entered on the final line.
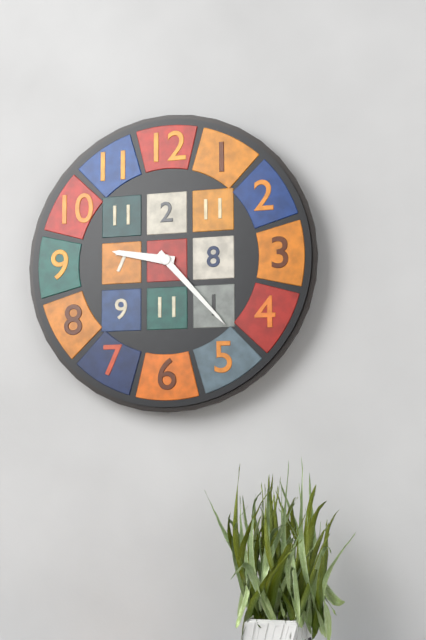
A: 9:23
